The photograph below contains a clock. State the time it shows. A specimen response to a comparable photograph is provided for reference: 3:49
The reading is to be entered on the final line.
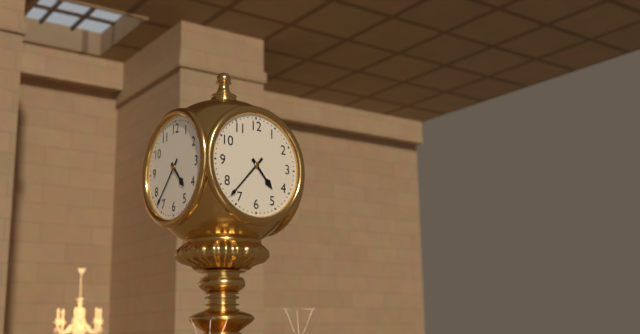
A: 4:37
